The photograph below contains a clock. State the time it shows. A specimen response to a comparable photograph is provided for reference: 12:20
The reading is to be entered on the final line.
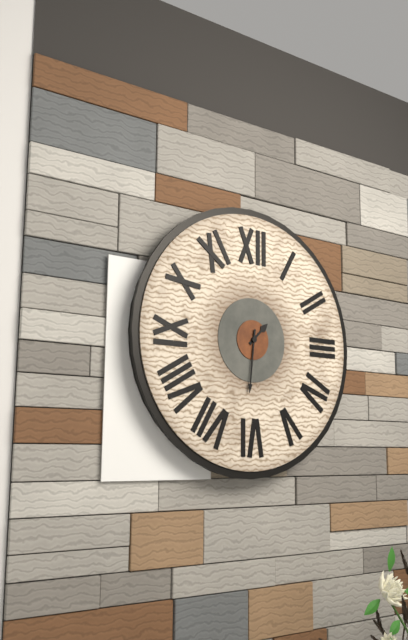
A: 1:31
